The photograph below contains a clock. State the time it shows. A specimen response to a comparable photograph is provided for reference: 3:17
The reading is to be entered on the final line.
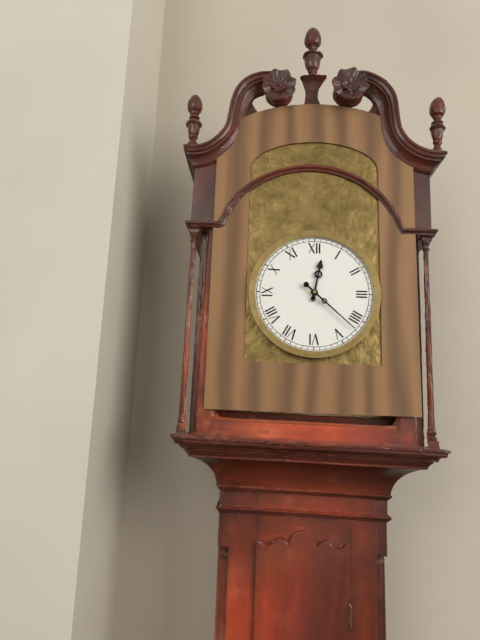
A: 12:22
